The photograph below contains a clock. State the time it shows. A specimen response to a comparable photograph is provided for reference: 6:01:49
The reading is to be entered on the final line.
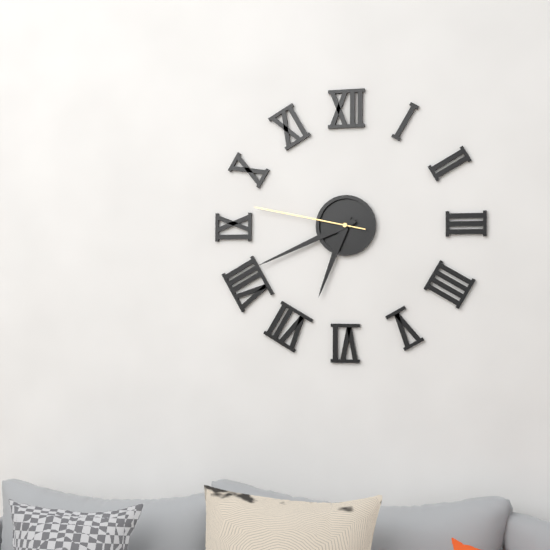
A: 6:41:47
